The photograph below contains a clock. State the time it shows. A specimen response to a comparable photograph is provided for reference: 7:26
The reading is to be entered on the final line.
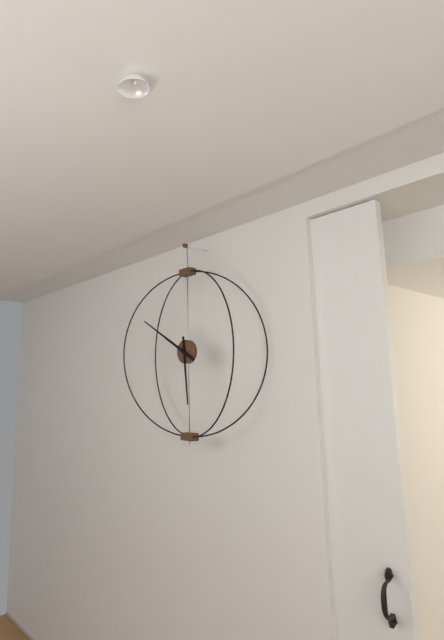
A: 5:50
